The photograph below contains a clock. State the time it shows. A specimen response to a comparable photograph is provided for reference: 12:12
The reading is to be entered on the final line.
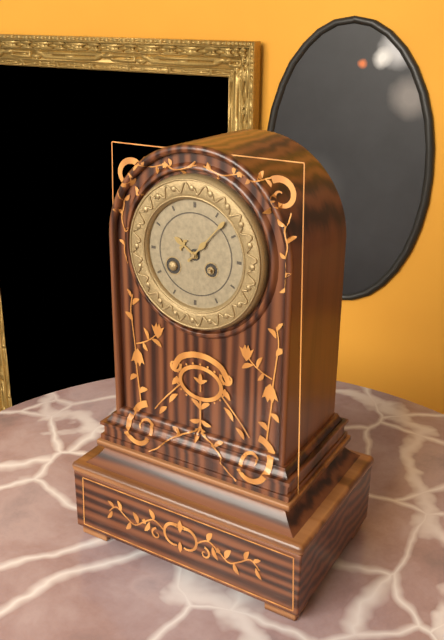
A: 10:07
